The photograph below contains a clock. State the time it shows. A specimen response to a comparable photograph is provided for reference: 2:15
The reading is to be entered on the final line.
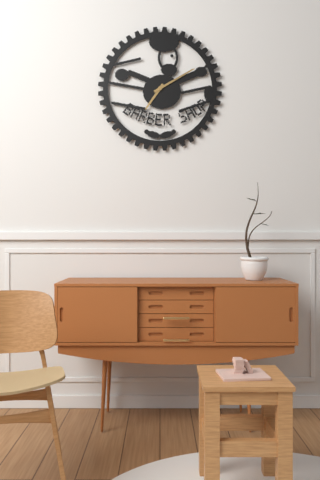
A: 7:10
